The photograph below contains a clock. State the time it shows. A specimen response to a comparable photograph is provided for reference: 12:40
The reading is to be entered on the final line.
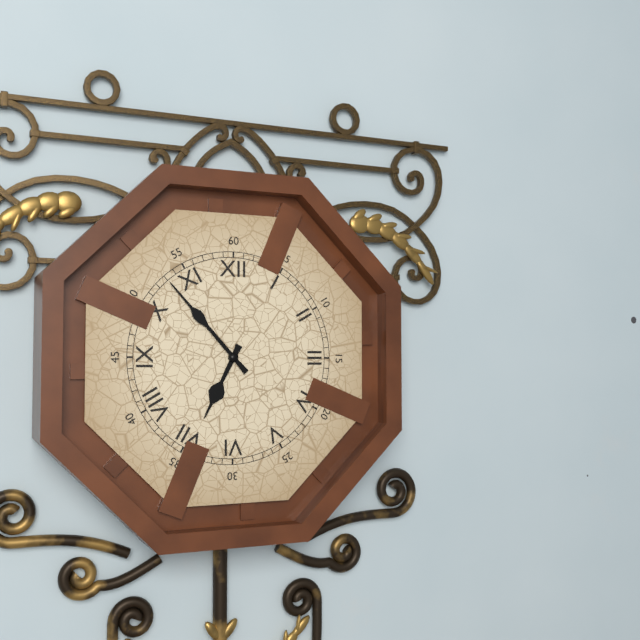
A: 6:53
